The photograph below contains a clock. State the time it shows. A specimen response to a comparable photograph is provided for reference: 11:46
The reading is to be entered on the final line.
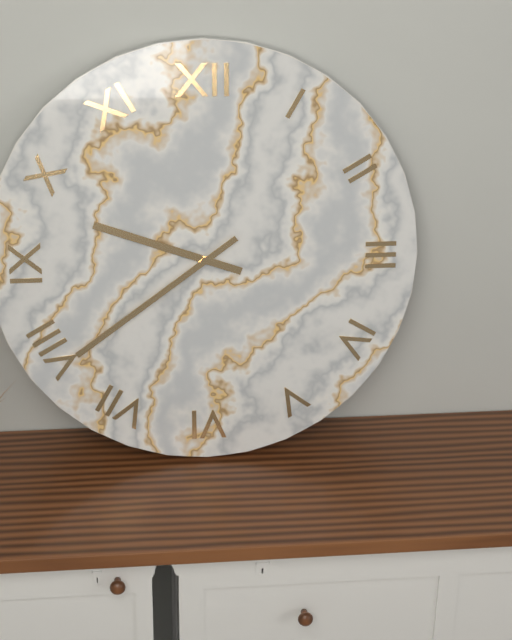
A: 9:39
